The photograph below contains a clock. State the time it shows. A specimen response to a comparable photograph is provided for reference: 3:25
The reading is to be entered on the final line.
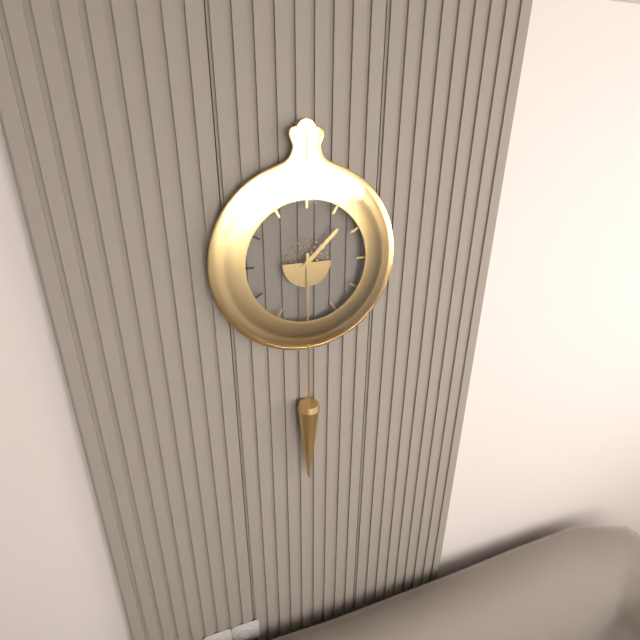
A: 1:30
